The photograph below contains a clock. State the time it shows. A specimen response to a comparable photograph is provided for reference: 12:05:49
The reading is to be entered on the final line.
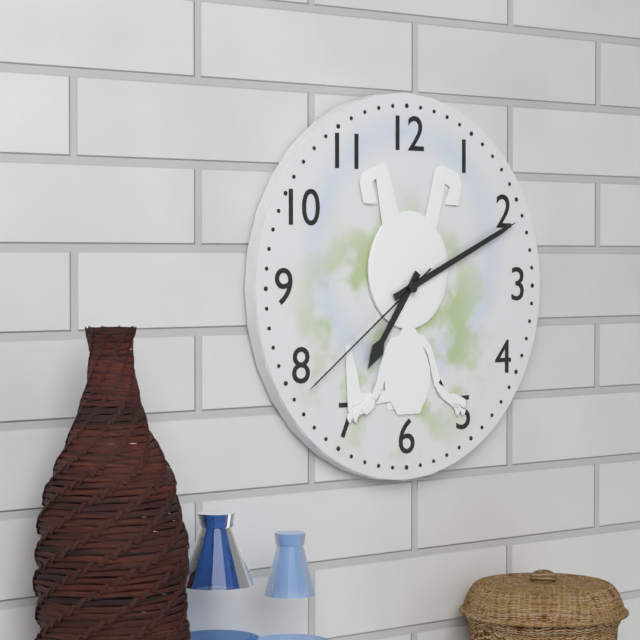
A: 7:11:39
